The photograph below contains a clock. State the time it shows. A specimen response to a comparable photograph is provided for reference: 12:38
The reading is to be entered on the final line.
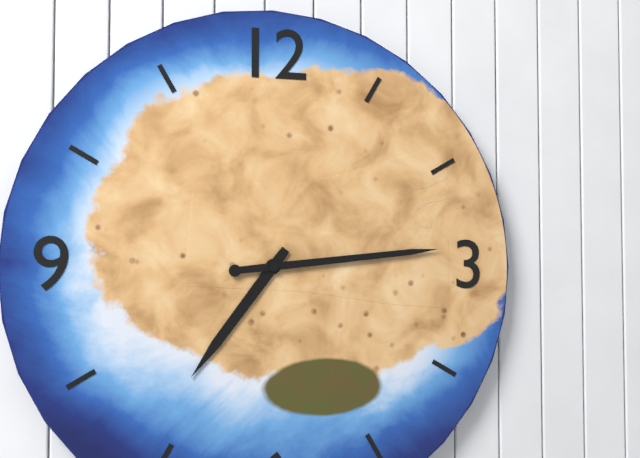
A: 7:14
